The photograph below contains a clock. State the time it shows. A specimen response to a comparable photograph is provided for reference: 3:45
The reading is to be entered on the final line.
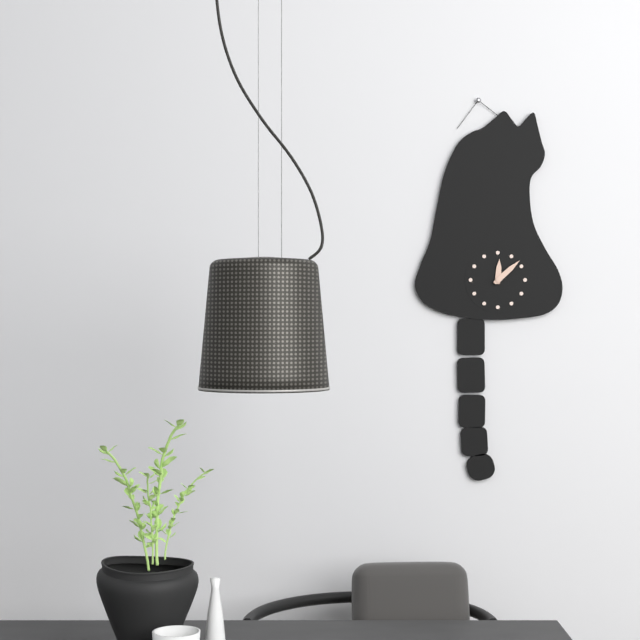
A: 12:08
